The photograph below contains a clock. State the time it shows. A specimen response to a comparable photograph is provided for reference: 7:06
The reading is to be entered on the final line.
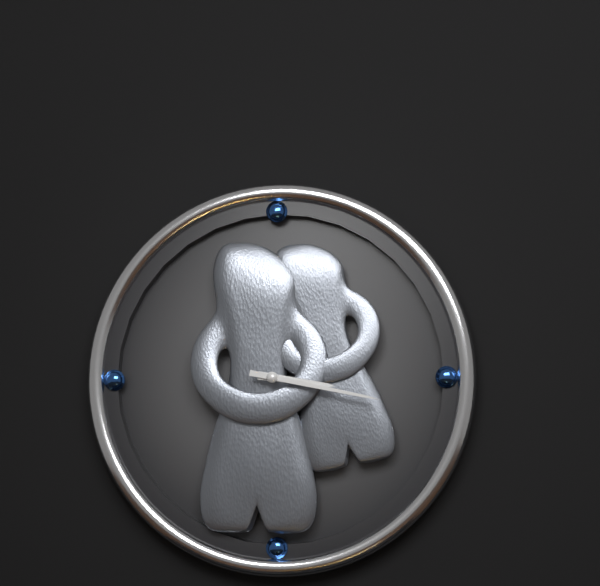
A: 3:17
